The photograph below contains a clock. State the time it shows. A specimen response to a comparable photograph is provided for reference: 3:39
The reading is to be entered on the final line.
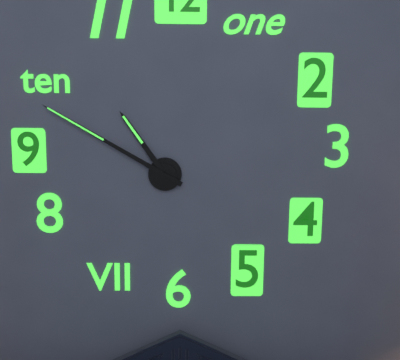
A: 10:50
